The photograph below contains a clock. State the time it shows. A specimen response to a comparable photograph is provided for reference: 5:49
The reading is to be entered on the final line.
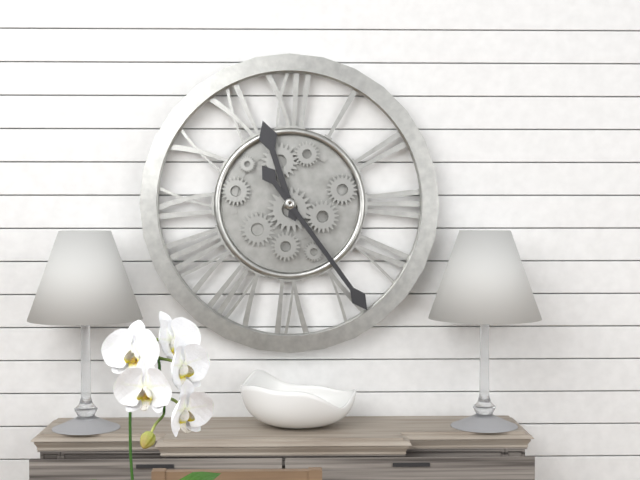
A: 11:24
